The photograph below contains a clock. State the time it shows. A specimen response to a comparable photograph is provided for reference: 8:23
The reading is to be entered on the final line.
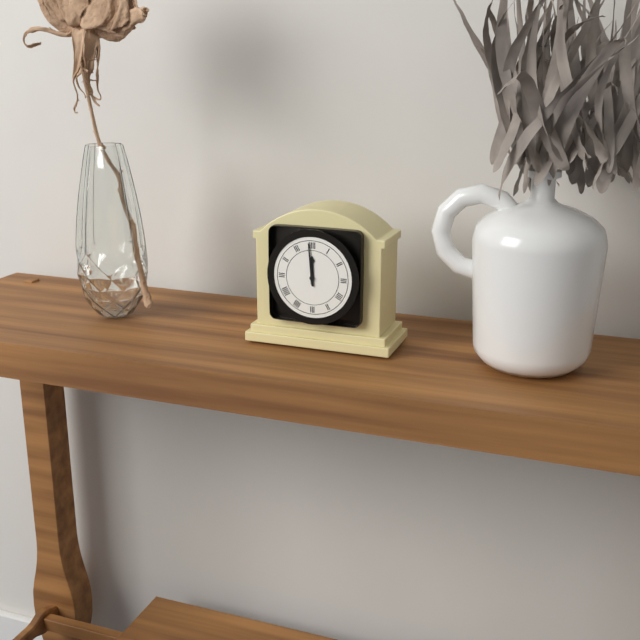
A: 11:59
